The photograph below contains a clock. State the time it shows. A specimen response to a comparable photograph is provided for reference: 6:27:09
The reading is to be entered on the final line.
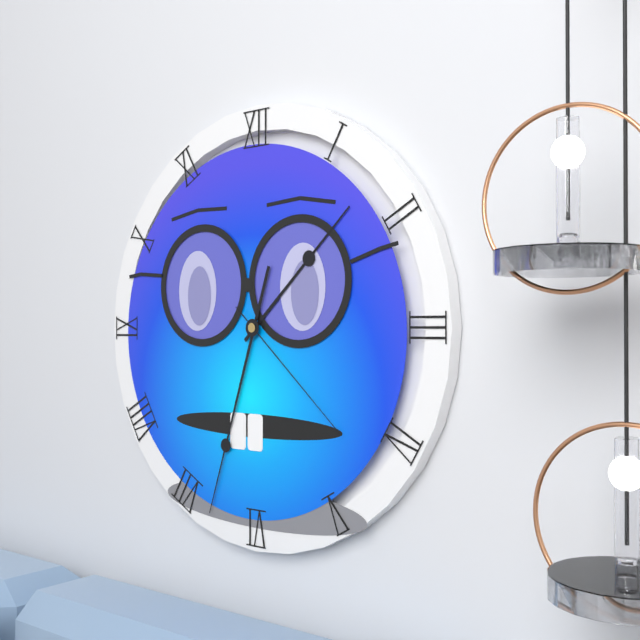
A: 1:33:22
